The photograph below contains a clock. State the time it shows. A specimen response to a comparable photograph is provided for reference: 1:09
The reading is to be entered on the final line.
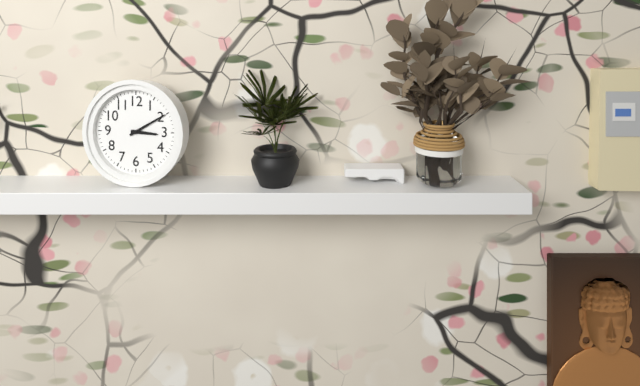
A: 3:10
